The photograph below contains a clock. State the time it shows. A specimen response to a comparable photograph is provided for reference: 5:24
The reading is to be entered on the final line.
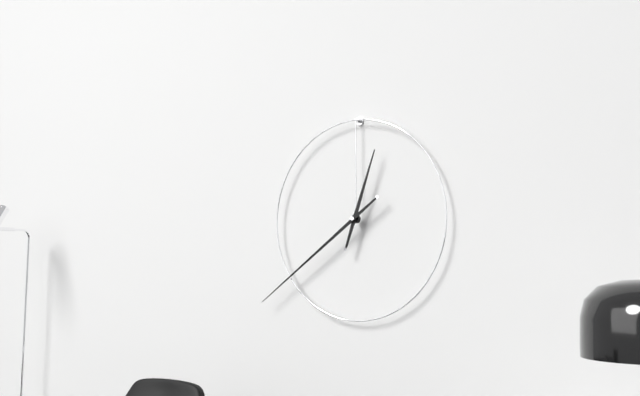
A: 12:39
